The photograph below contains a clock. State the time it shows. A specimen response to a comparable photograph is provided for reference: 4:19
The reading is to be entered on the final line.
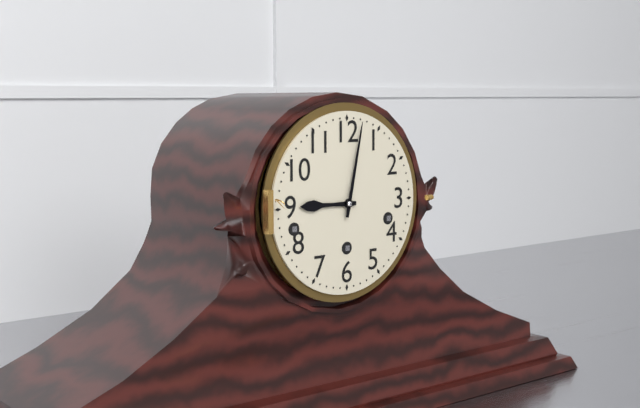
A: 9:02
